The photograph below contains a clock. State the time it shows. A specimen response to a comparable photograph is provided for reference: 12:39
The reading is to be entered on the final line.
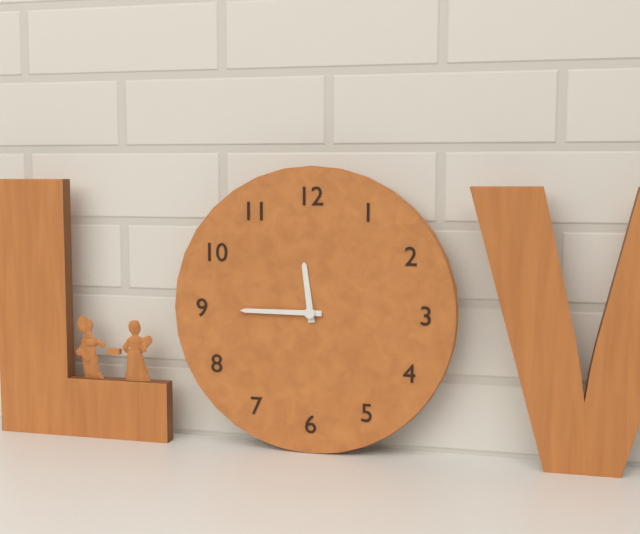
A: 11:45
